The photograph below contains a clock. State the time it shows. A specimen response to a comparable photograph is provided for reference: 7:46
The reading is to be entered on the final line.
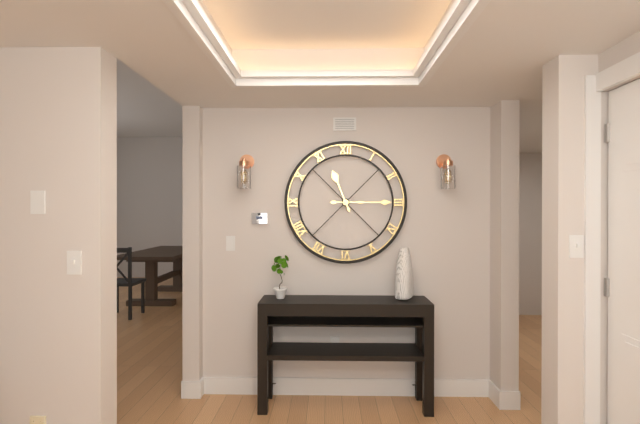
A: 11:15
